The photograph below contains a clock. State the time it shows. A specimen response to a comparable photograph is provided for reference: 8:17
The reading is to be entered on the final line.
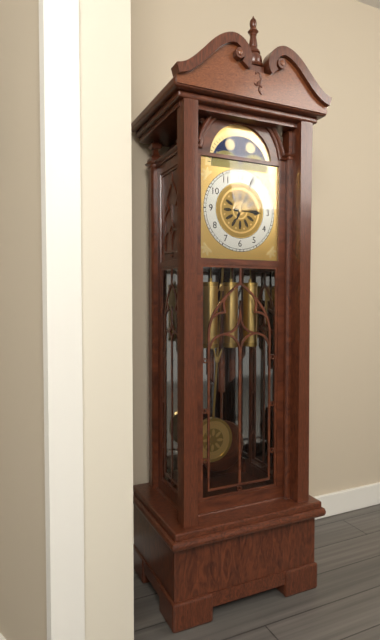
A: 3:04
